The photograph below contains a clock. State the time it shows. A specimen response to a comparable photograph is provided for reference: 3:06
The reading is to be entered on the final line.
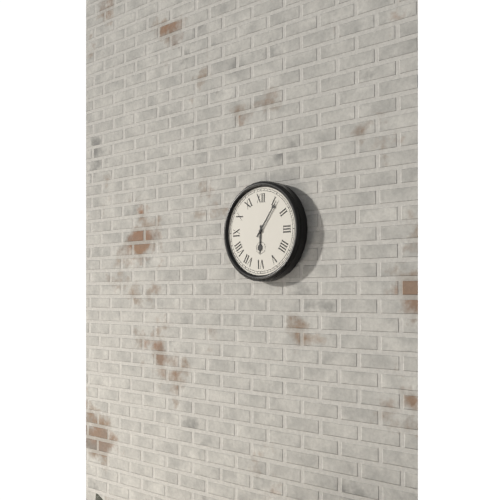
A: 6:06
